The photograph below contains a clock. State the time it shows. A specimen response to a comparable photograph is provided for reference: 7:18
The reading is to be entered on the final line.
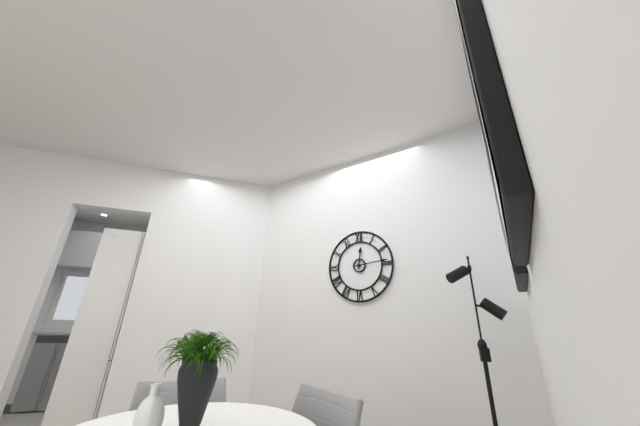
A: 12:14
